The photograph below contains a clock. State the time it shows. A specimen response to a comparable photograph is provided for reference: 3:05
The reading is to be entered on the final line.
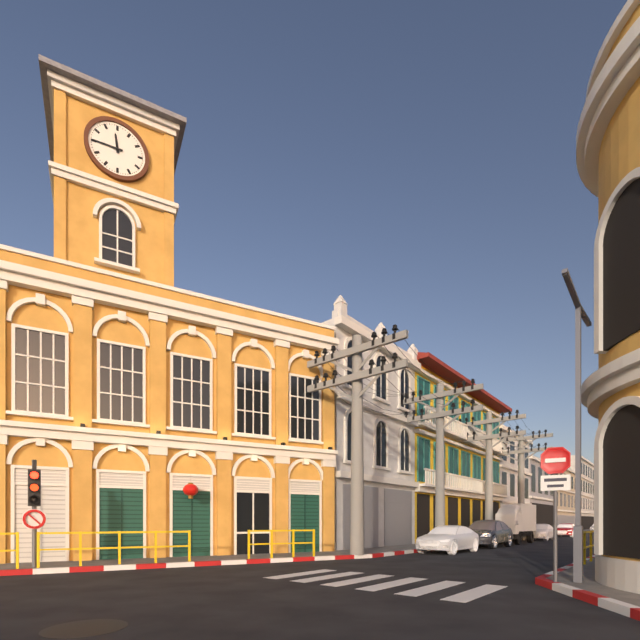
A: 11:45
